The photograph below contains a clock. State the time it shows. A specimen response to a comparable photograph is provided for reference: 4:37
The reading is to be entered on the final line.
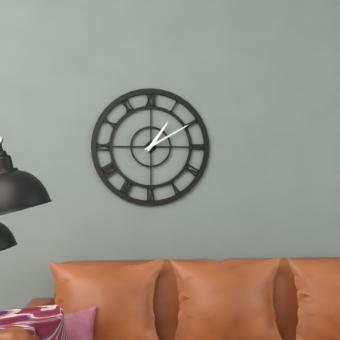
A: 1:10
